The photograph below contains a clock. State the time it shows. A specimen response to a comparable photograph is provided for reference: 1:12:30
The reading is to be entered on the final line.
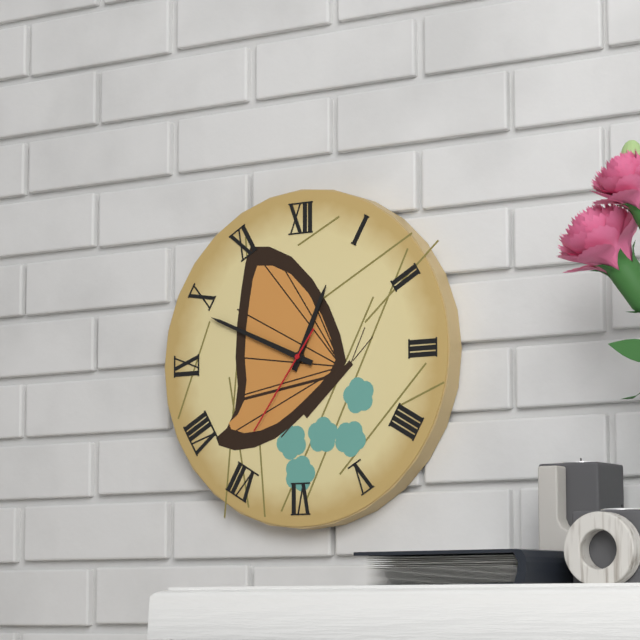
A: 12:49:36
